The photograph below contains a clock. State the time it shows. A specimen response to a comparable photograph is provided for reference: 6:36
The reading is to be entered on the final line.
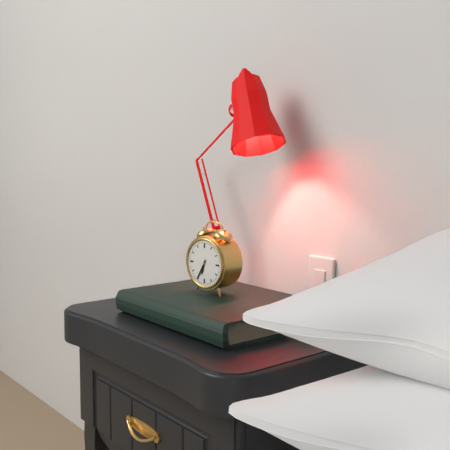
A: 6:35
